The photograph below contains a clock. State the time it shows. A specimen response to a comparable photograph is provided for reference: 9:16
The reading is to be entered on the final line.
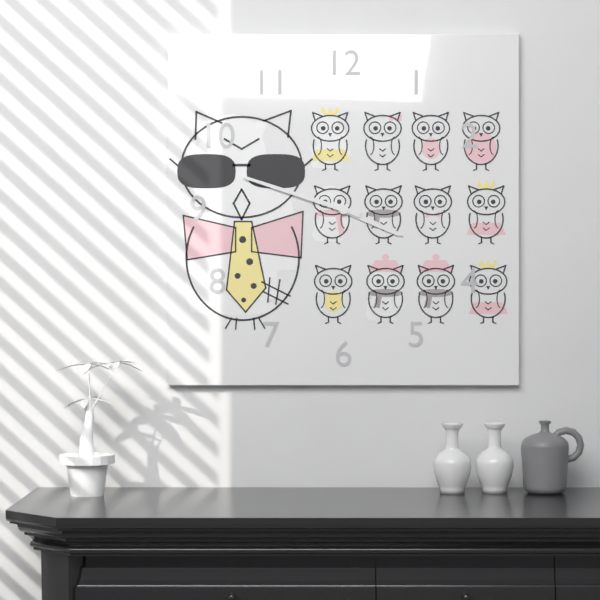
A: 3:48
